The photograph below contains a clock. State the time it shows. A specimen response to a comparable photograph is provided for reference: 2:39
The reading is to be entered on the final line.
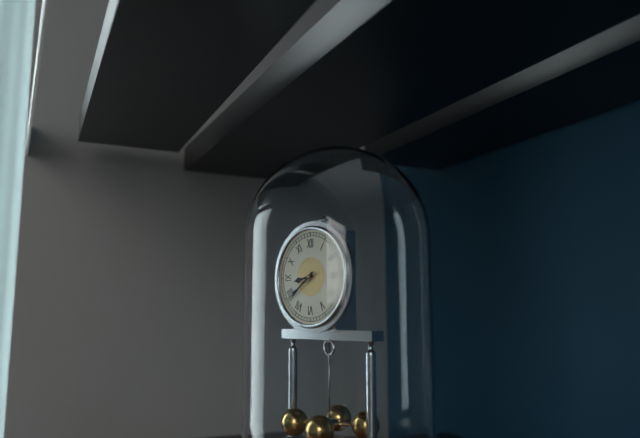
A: 8:39
